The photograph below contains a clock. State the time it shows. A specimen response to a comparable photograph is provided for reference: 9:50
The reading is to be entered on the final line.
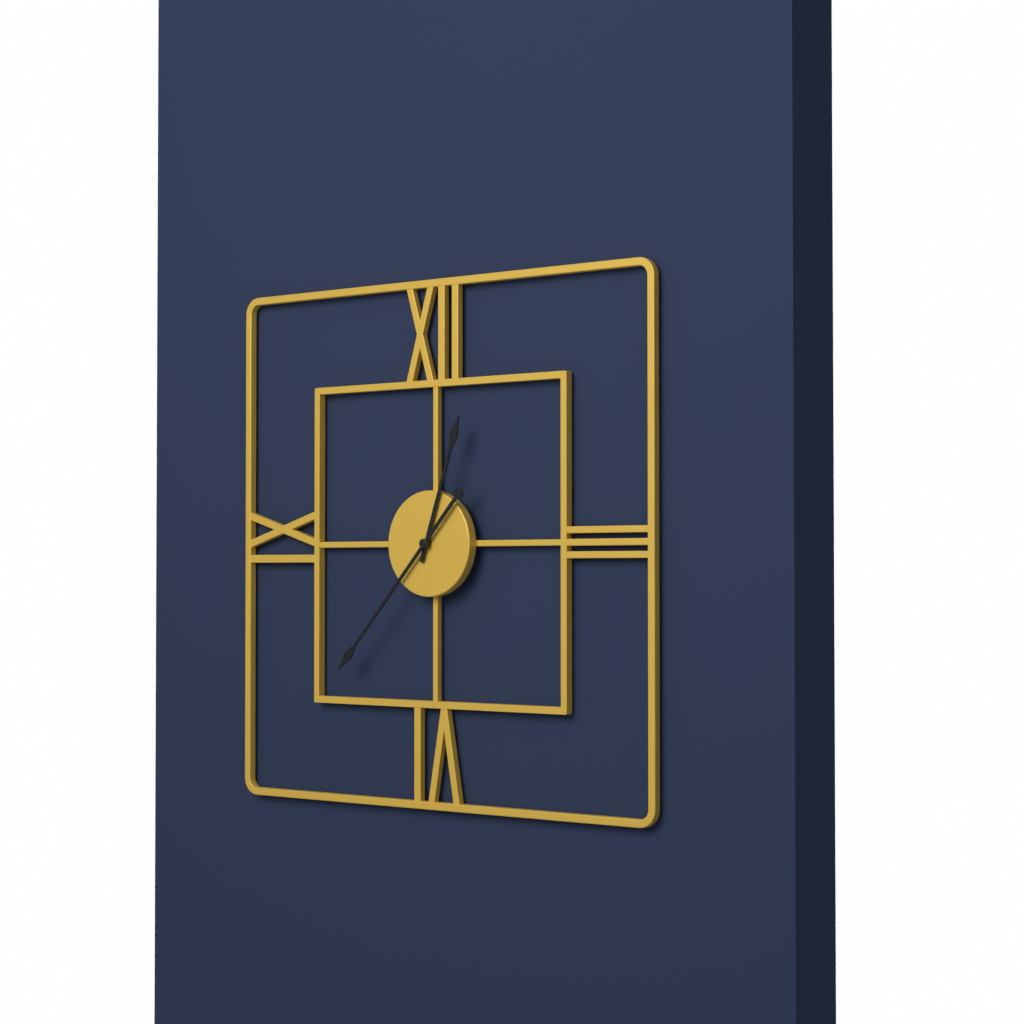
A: 12:37
